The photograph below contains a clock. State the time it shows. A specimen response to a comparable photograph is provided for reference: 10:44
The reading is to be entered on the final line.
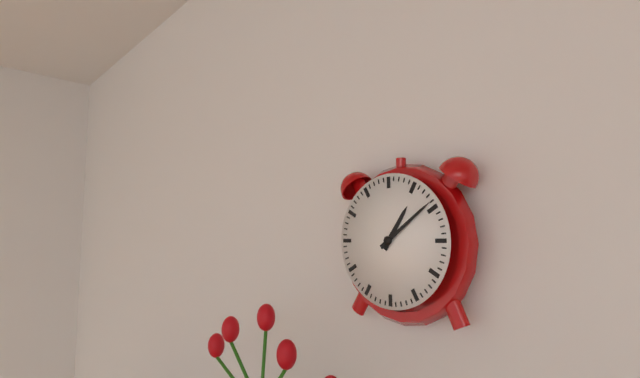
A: 1:09
